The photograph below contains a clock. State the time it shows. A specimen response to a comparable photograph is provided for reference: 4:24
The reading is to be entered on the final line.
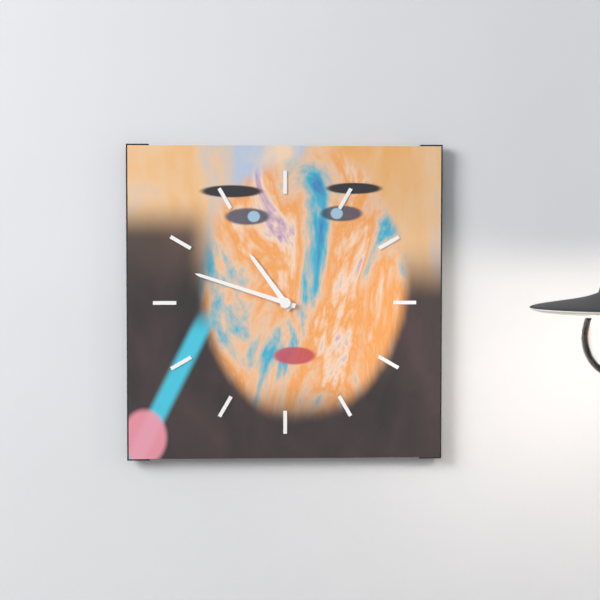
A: 10:48
